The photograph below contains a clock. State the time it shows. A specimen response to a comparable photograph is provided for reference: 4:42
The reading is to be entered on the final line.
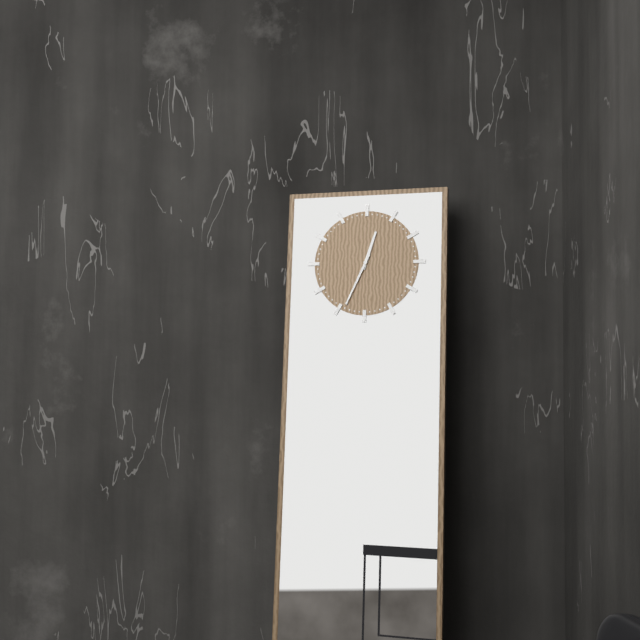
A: 12:34
